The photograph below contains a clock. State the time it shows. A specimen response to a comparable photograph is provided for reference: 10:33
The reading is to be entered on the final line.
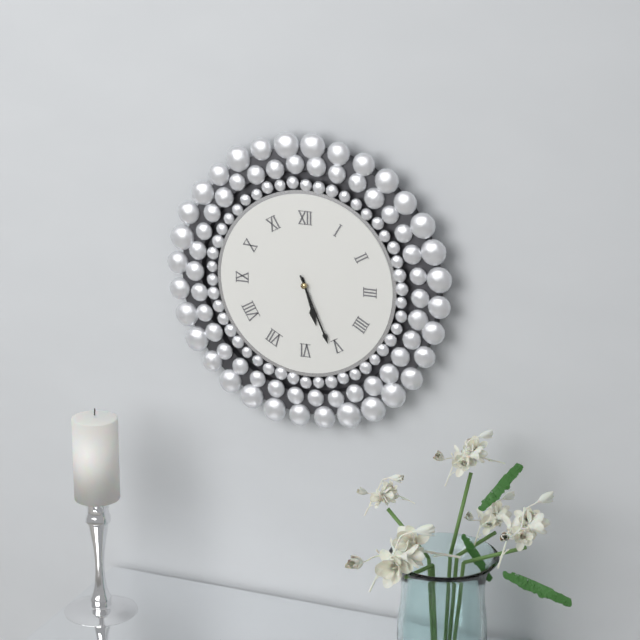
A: 5:26
